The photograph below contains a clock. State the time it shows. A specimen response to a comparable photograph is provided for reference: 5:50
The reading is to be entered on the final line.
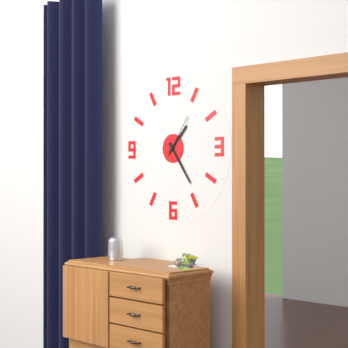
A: 1:24
